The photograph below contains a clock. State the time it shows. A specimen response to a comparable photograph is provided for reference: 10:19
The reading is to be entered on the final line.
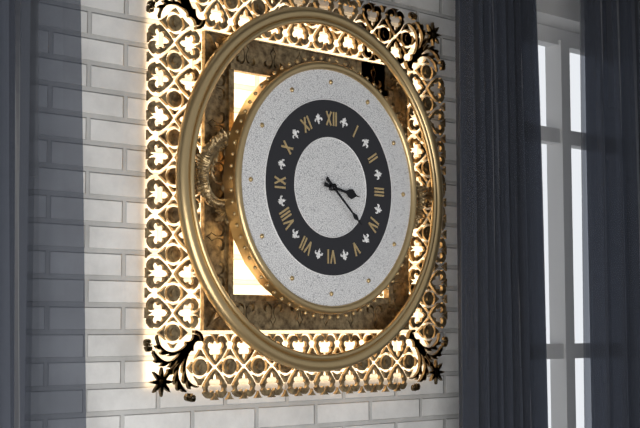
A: 3:22
